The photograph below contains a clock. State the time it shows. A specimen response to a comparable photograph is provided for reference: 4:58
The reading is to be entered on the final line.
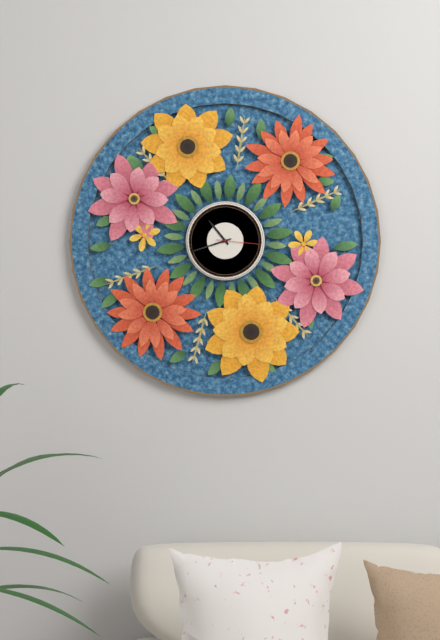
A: 10:42
